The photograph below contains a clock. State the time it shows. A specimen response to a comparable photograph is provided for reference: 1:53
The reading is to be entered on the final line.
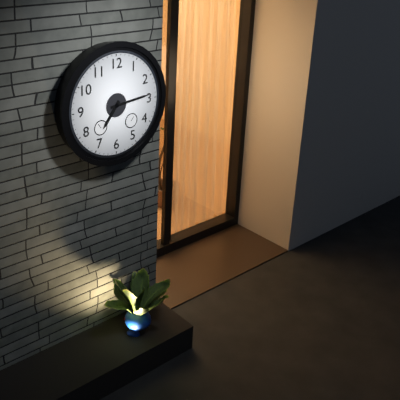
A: 7:14
